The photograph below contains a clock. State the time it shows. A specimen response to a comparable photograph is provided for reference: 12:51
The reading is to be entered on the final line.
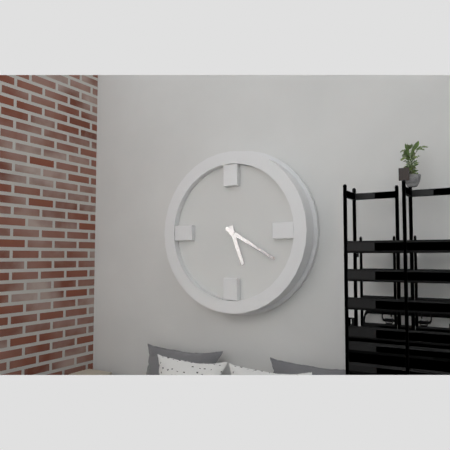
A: 5:20
